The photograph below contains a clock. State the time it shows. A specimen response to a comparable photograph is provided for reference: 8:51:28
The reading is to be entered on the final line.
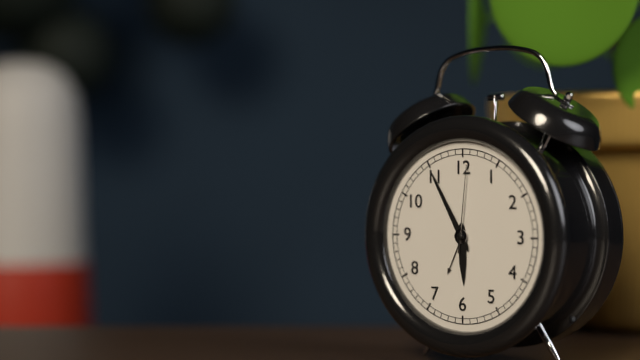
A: 5:55:01
